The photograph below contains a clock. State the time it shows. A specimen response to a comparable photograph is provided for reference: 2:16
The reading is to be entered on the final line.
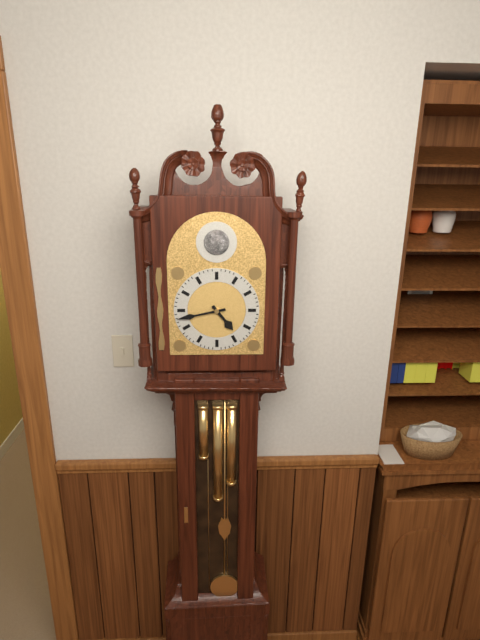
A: 4:43
